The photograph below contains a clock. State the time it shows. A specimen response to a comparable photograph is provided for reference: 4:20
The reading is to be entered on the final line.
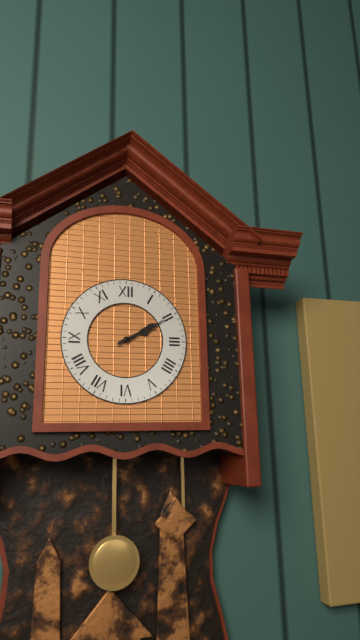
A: 2:10
